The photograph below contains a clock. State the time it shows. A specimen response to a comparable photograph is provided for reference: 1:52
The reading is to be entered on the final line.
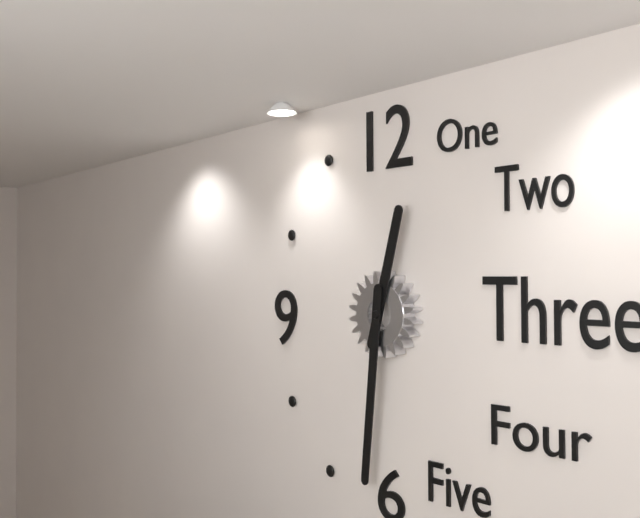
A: 12:31
